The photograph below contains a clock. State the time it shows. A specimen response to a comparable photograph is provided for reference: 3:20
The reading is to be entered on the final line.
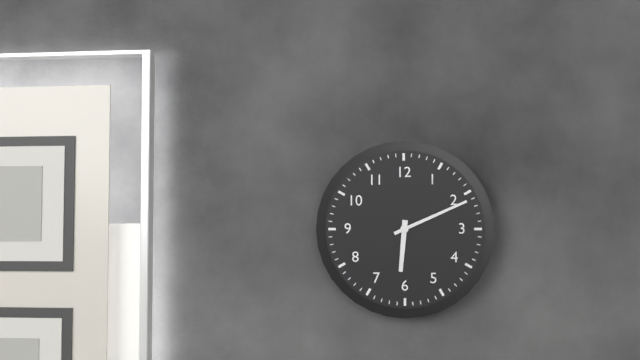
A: 6:11
